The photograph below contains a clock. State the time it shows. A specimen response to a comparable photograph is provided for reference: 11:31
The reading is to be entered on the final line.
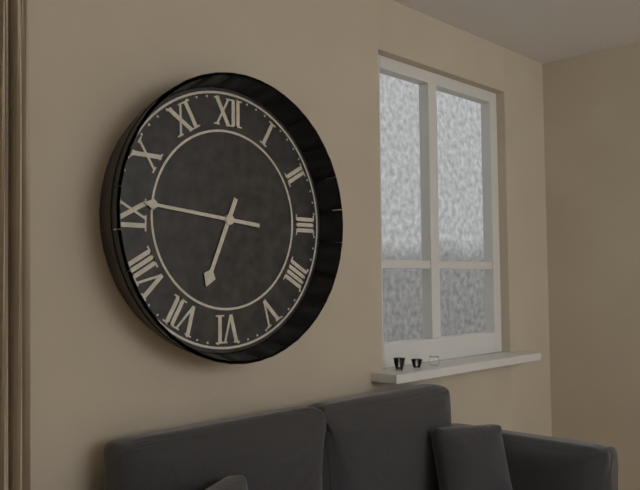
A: 6:46
